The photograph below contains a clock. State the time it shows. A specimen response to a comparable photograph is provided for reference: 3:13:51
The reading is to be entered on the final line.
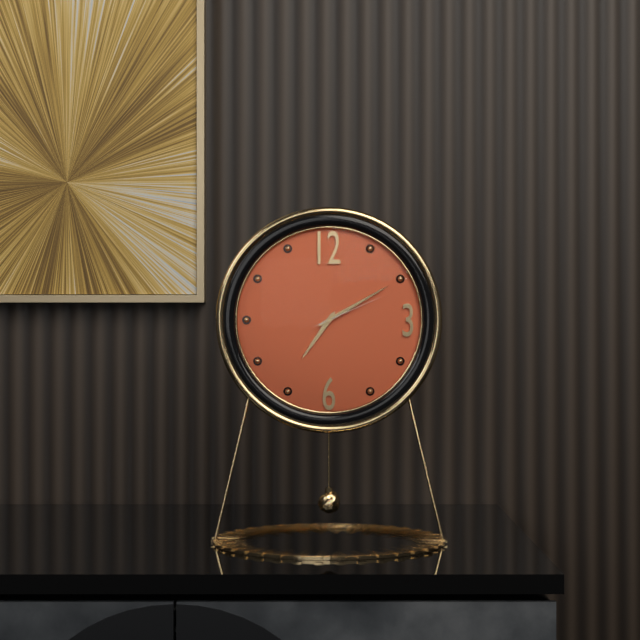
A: 7:10:11
